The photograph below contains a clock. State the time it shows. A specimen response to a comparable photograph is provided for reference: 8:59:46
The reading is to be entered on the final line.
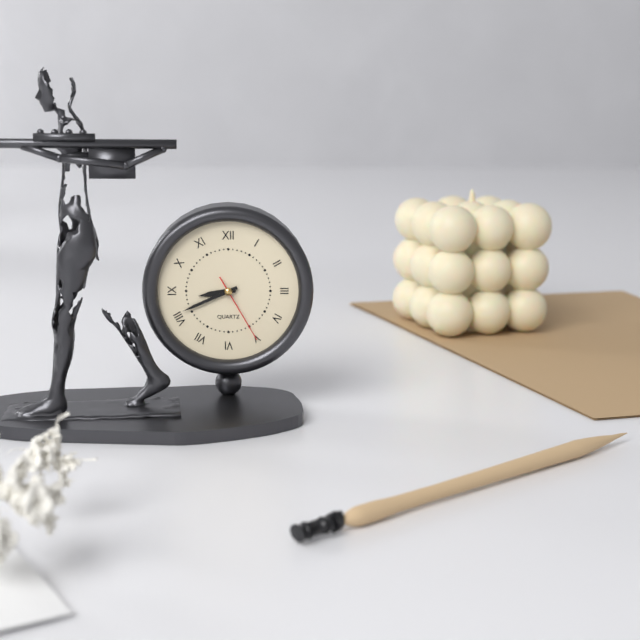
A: 8:41:25
